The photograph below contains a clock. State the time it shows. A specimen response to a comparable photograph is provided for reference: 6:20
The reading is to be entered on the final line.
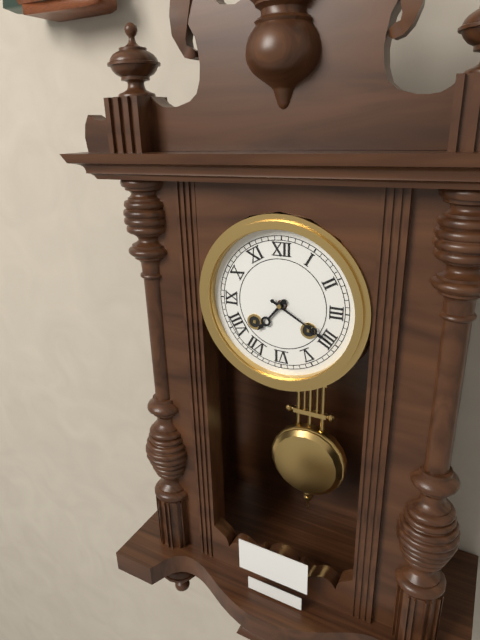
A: 7:20
